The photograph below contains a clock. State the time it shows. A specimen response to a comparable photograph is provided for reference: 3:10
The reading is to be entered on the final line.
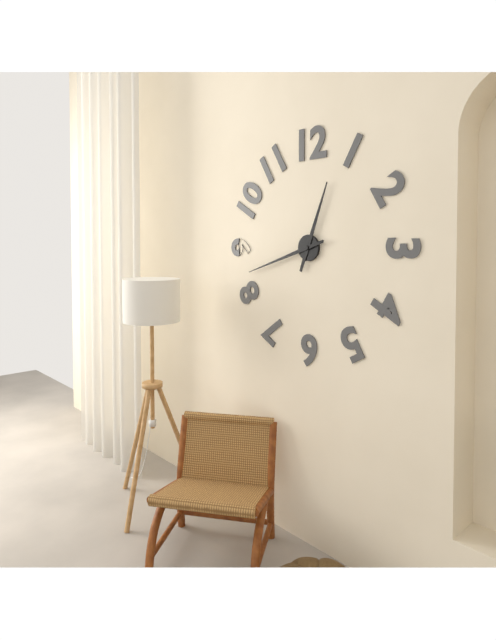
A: 12:42
